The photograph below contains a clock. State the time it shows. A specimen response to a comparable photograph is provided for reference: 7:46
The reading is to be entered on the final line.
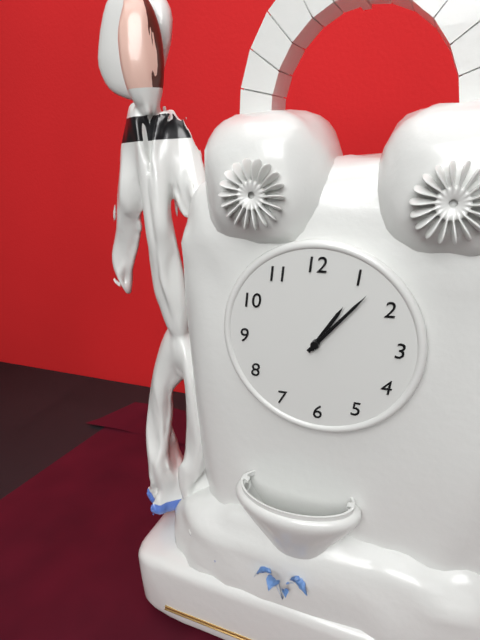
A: 1:07
